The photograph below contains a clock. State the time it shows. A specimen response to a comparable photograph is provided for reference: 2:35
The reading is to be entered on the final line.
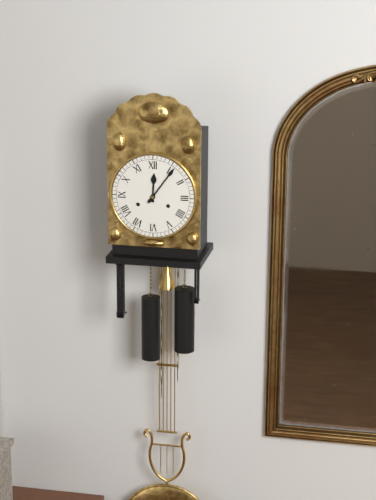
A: 12:06
